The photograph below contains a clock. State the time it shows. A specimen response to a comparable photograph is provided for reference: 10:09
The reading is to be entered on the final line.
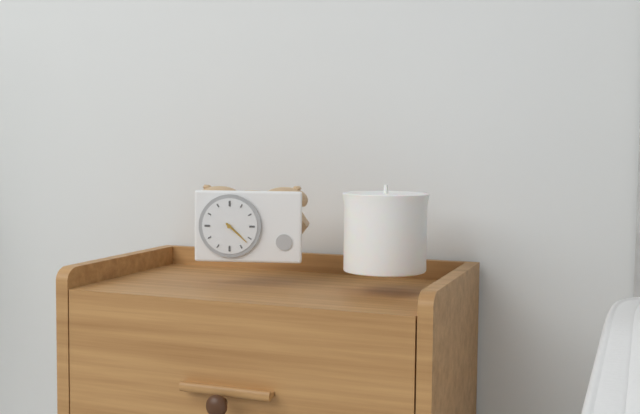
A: 4:22
